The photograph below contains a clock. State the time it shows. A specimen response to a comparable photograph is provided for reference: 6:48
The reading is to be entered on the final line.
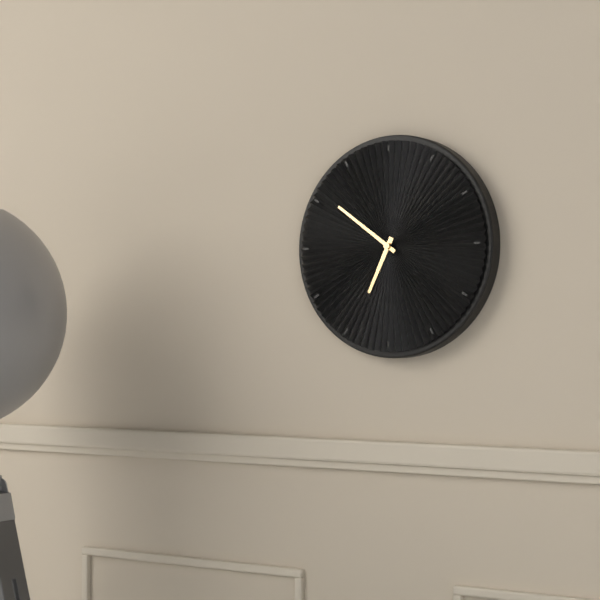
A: 6:51
